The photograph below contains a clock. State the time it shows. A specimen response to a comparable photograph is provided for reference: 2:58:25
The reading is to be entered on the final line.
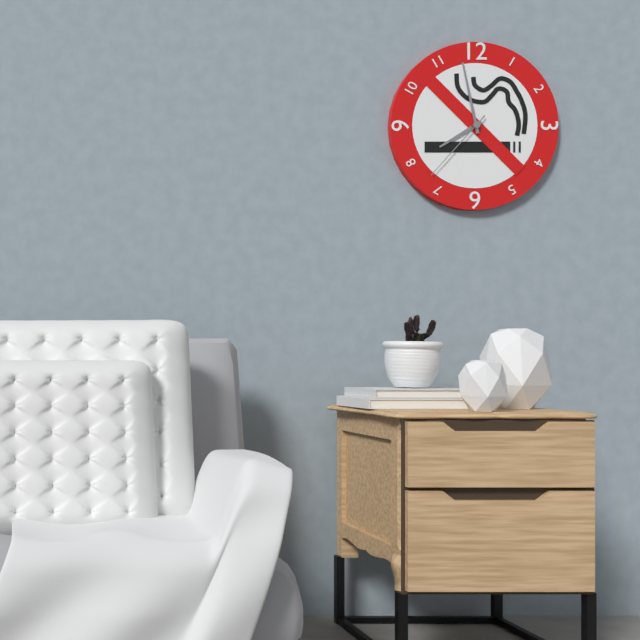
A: 7:58:37
